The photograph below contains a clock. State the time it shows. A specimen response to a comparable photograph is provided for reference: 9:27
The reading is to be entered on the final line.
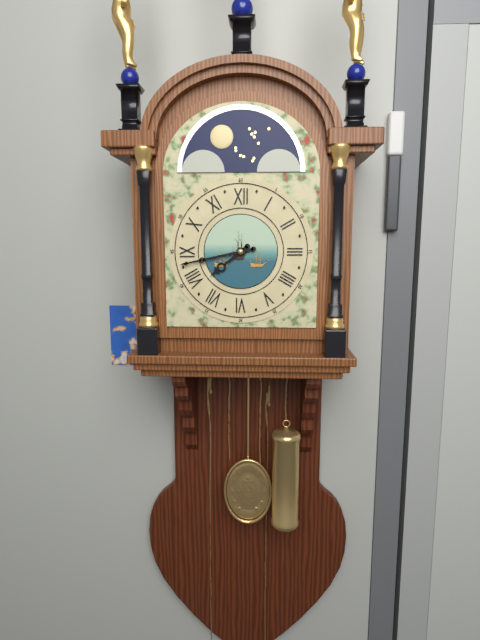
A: 7:43
